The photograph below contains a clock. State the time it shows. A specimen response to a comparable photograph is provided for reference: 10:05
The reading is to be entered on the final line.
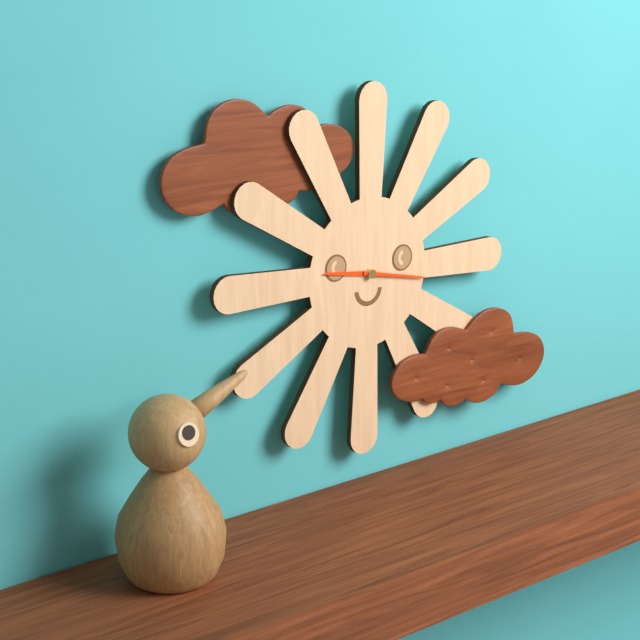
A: 9:17
